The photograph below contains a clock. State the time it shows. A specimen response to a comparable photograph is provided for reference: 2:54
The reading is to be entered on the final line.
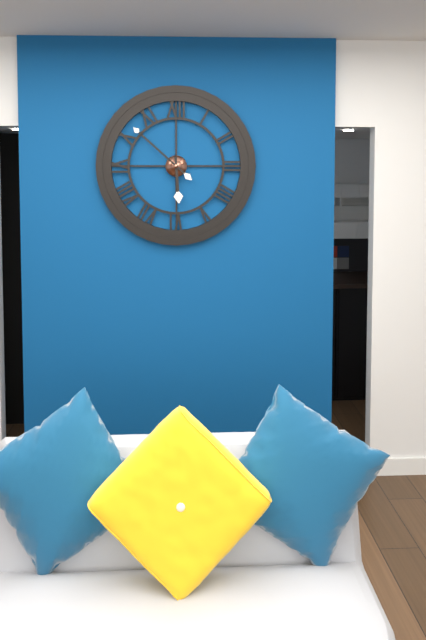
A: 5:52
